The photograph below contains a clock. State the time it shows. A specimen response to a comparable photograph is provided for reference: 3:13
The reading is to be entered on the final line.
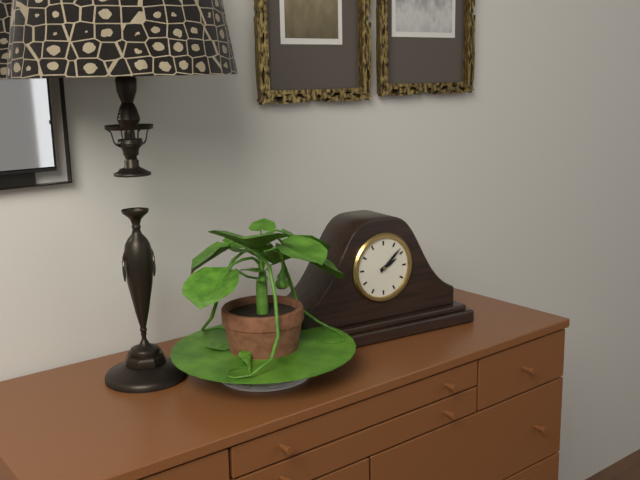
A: 2:08
